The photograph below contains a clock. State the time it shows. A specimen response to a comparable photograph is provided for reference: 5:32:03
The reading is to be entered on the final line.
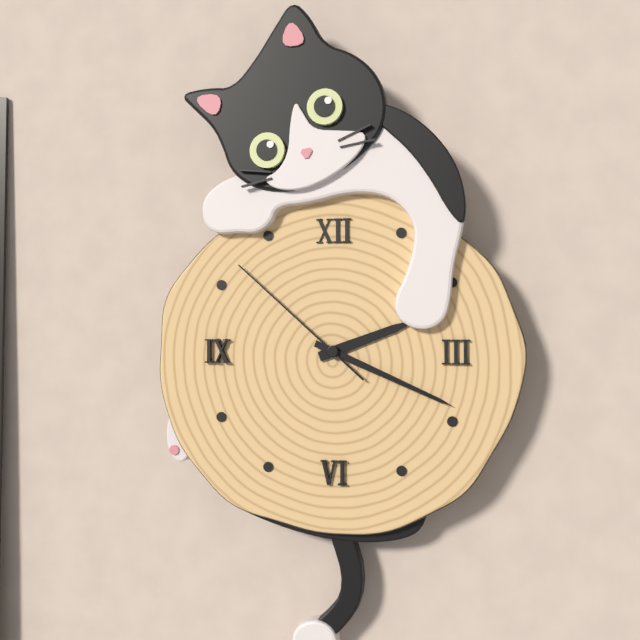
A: 2:19:52
